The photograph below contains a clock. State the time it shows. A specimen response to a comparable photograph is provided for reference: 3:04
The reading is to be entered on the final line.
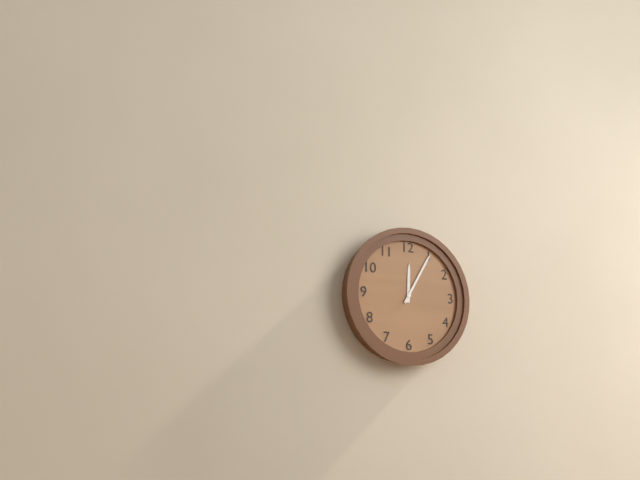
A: 12:05
